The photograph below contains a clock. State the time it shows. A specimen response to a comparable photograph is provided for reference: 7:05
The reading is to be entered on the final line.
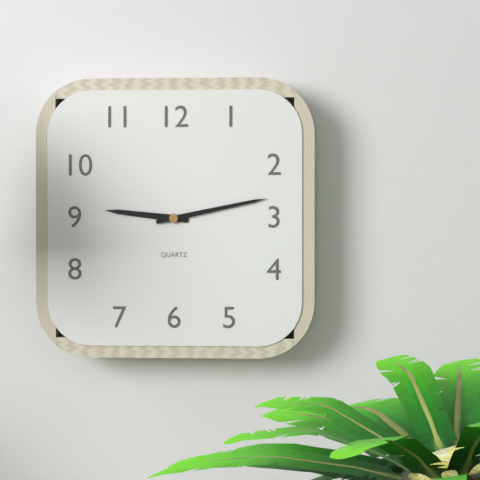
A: 9:13
